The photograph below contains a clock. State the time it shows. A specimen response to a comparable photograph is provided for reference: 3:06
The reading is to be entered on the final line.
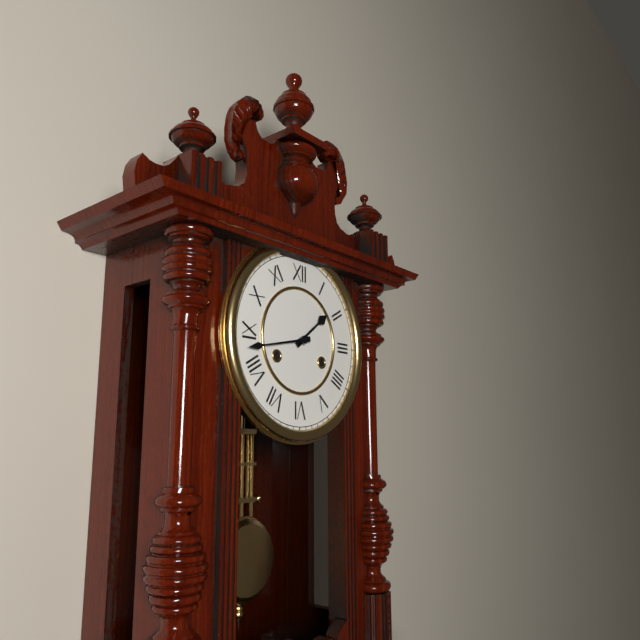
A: 1:43
